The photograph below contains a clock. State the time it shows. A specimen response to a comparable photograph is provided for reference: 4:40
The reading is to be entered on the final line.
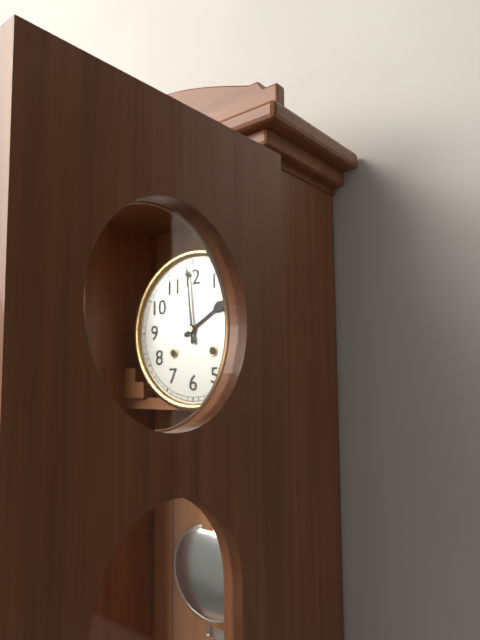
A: 1:59
